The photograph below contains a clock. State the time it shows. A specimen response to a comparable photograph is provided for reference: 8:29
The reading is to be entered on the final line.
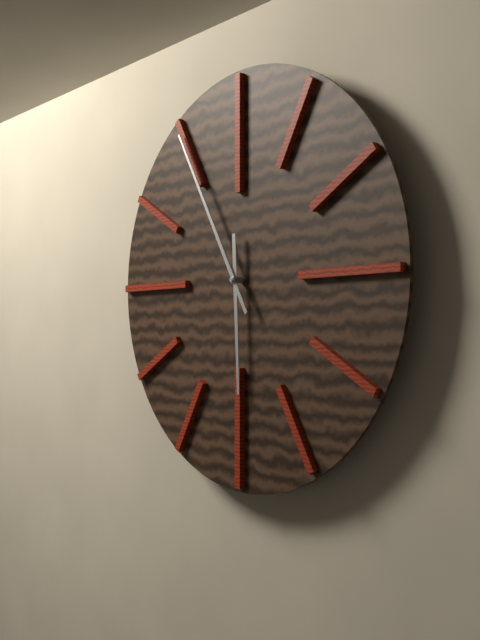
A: 5:55
